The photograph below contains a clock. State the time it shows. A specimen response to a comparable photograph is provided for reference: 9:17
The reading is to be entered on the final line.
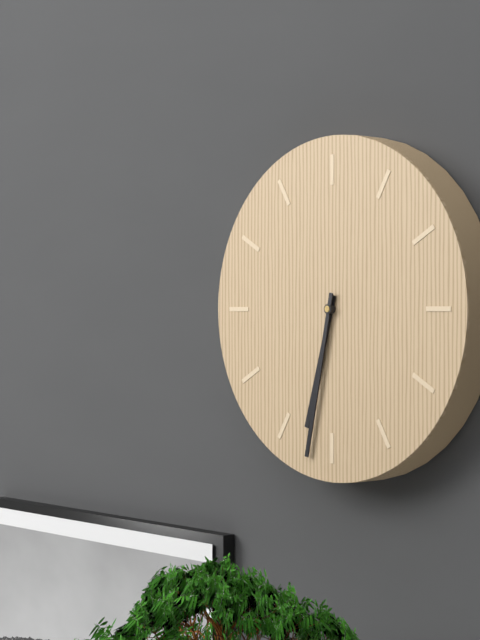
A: 6:32
